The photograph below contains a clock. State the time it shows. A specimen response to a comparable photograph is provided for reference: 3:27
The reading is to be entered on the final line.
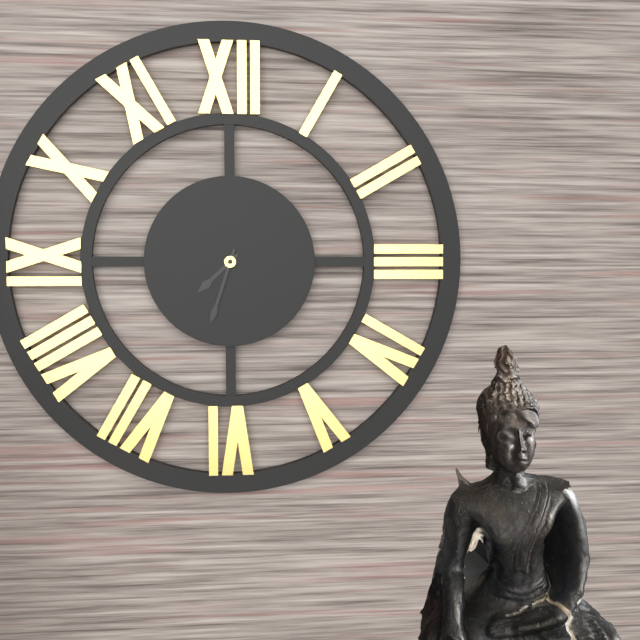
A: 7:33
